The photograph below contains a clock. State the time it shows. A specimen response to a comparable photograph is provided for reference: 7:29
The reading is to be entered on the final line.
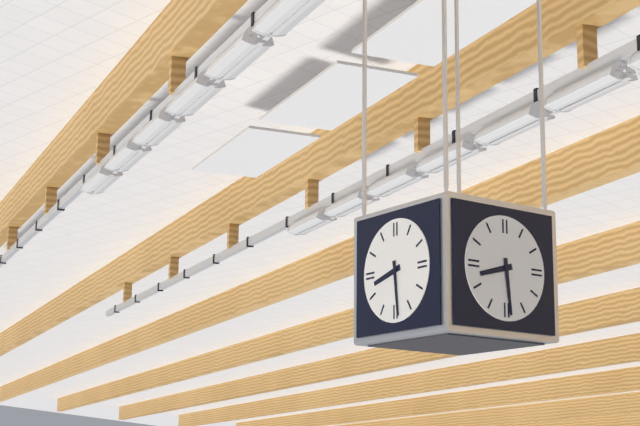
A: 8:29
